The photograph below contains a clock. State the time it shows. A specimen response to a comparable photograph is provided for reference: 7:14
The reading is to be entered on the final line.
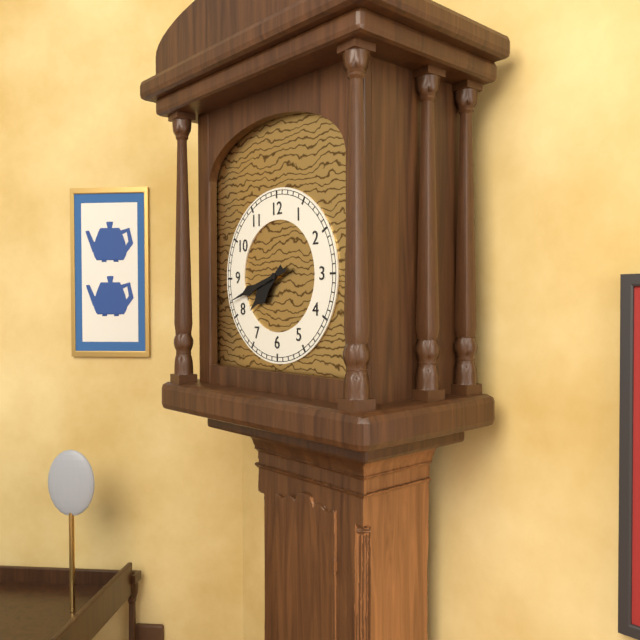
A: 7:42
